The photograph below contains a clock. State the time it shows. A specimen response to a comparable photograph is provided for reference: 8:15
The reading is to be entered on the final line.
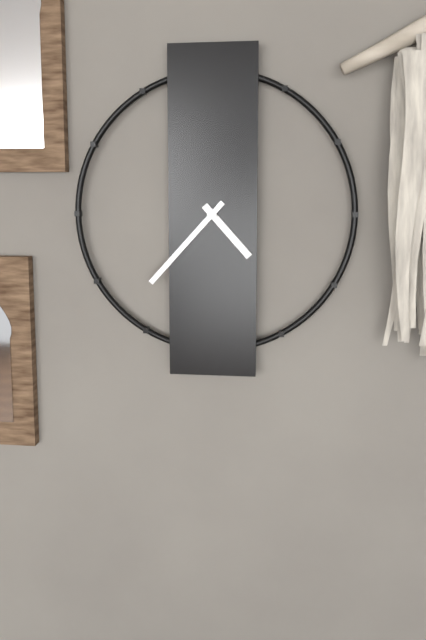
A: 4:37
